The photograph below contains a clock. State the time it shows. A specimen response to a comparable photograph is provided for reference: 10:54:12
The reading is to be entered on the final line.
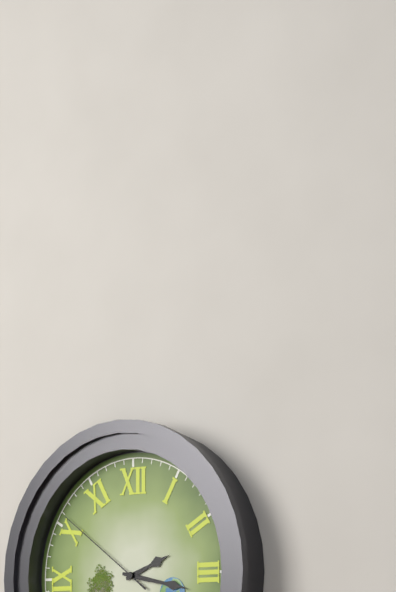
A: 2:17:51
